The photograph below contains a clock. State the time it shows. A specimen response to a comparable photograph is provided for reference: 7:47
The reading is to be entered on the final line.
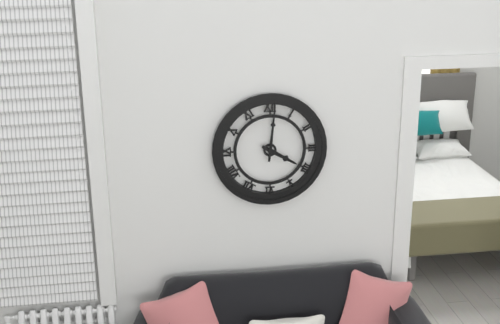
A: 4:01
